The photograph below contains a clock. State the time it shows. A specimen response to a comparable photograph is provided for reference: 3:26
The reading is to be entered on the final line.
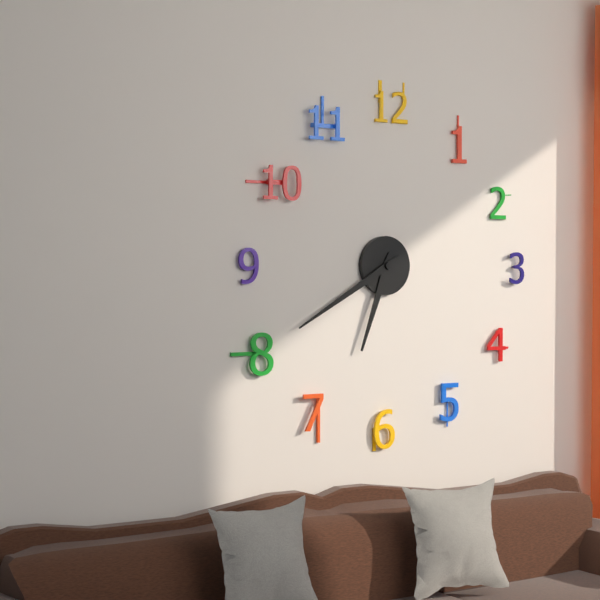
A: 6:40
